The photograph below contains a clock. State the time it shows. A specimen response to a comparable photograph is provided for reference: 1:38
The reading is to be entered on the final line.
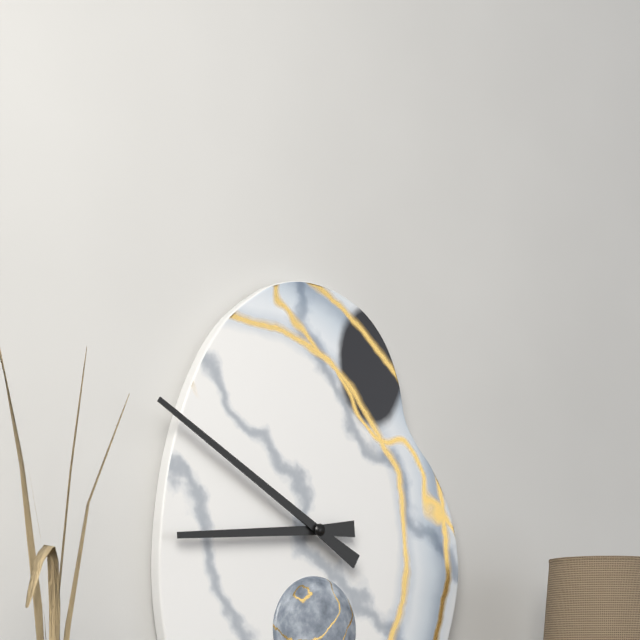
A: 8:50
